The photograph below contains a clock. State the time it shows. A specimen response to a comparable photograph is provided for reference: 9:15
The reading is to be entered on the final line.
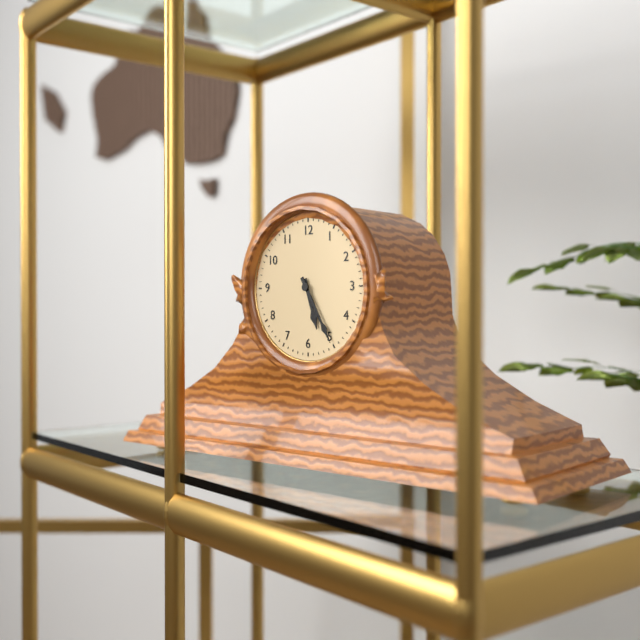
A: 5:25
